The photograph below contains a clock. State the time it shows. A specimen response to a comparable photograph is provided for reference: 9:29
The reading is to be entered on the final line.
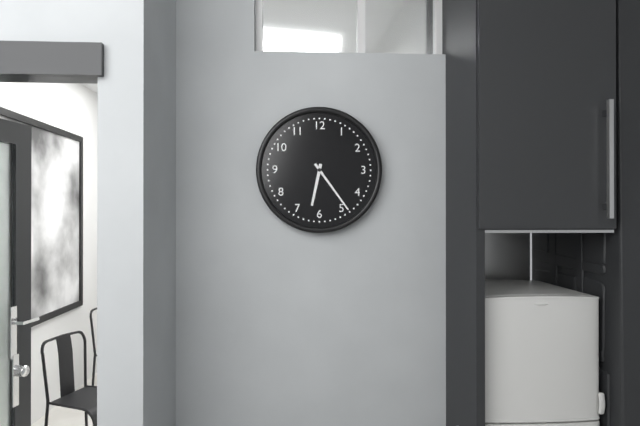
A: 6:24
